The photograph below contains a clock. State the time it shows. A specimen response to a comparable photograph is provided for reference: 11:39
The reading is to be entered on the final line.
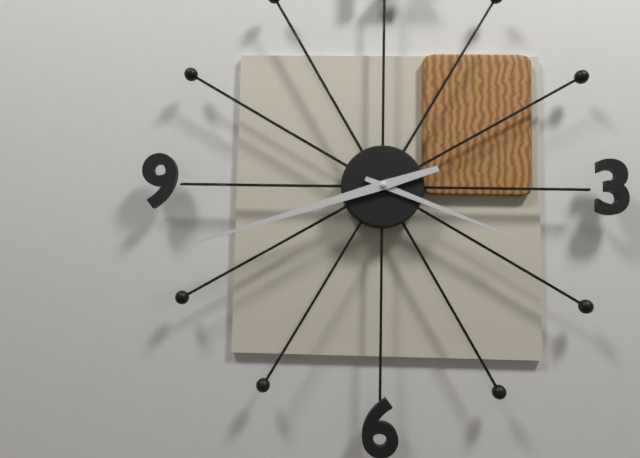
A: 3:42
